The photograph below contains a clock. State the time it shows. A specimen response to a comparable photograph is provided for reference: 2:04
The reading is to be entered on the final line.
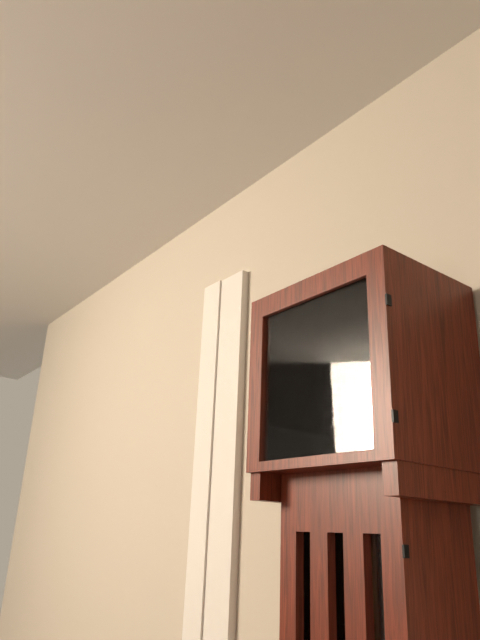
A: 12:35
